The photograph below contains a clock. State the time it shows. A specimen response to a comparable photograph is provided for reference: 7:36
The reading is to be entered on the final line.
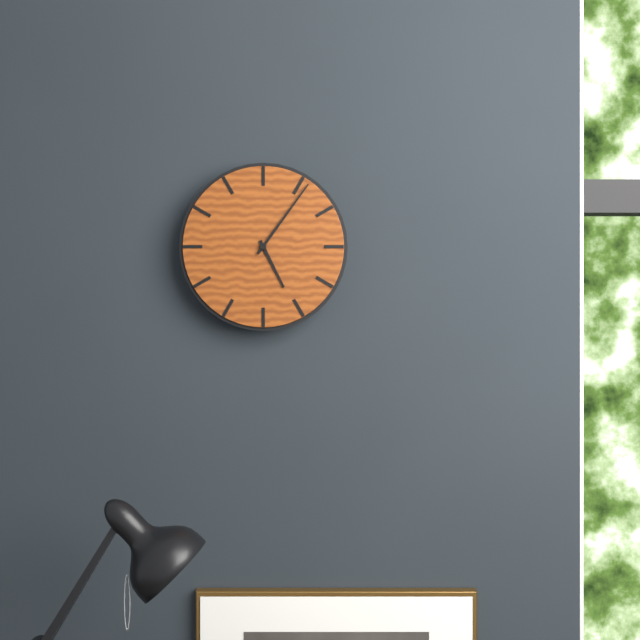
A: 5:06
